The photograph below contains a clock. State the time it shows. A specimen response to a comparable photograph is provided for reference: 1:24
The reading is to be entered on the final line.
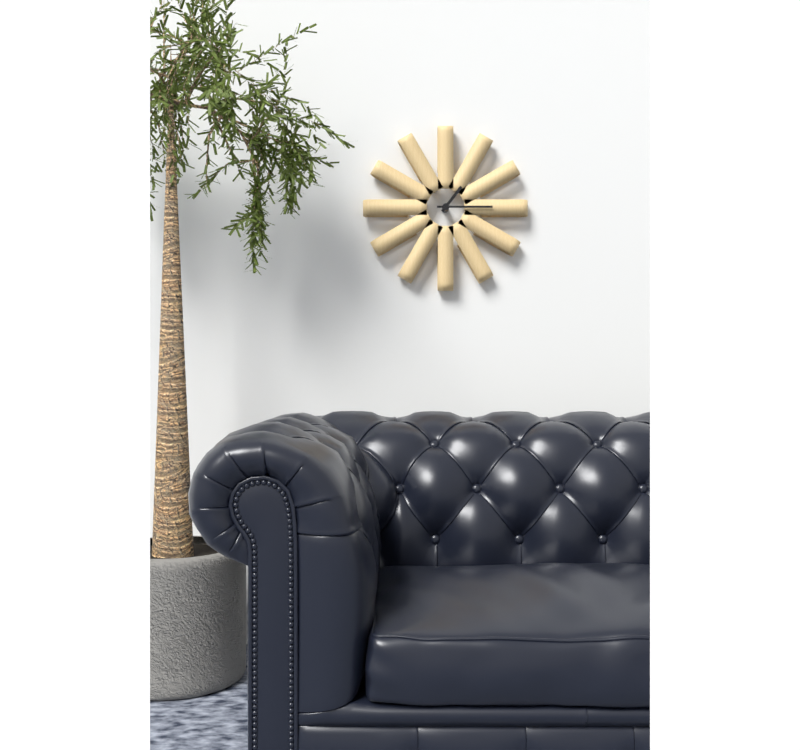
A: 1:15
